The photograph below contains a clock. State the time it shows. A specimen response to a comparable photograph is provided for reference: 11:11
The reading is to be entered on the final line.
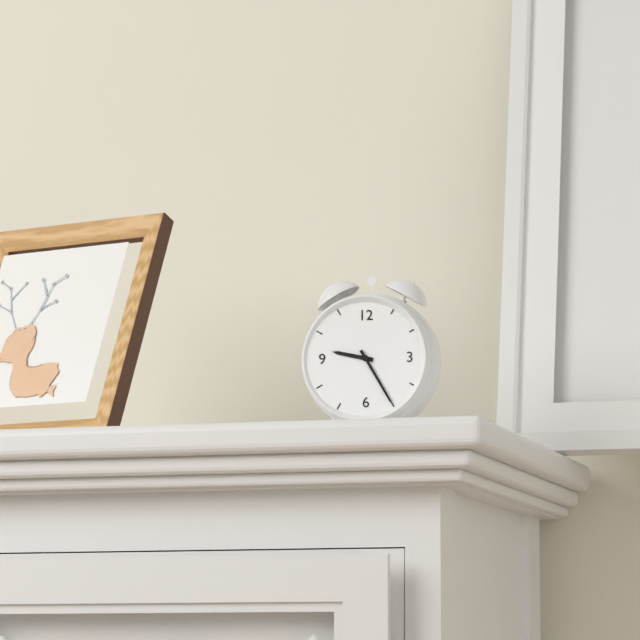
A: 9:25
